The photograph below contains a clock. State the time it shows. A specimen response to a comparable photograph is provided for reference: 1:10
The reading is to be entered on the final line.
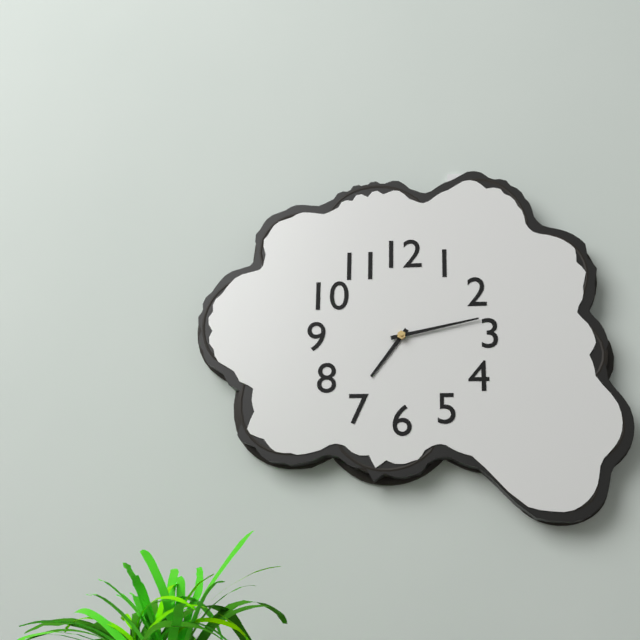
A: 7:13
